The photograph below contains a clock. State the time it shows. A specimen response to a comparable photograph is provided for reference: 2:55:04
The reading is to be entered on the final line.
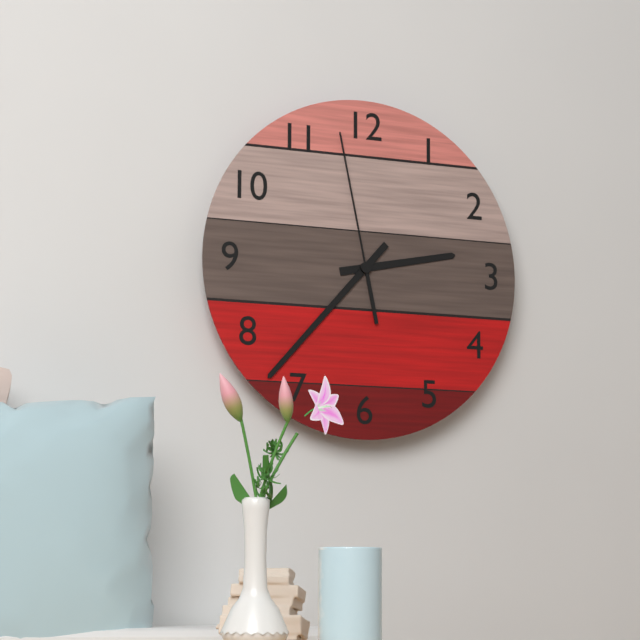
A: 2:37:58
